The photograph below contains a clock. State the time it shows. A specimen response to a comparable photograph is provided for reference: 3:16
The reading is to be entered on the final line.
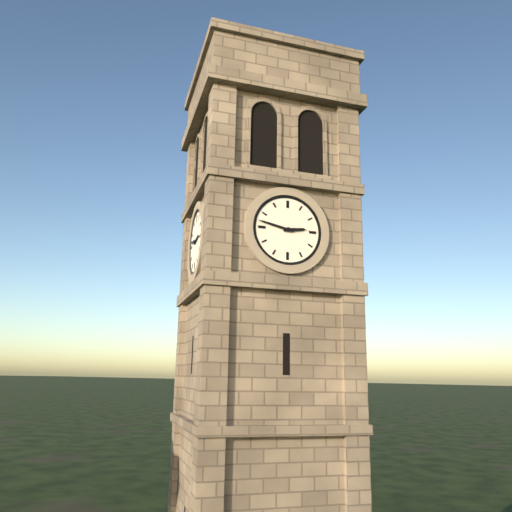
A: 2:47
